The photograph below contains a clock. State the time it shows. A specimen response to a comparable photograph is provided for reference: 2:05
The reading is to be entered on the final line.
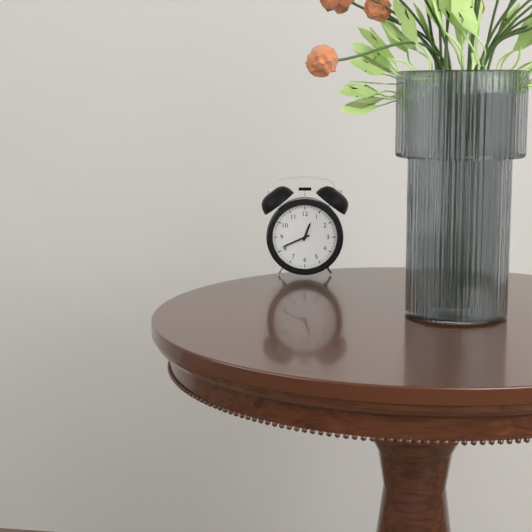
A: 12:41
